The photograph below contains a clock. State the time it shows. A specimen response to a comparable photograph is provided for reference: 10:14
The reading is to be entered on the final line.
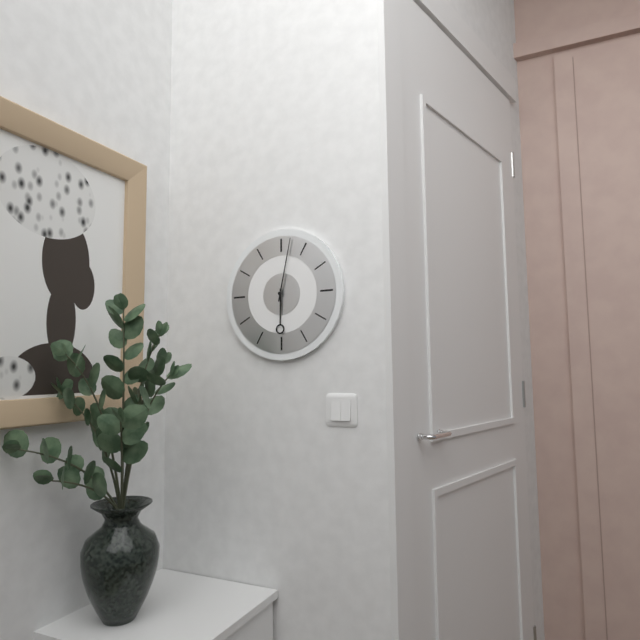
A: 6:02
